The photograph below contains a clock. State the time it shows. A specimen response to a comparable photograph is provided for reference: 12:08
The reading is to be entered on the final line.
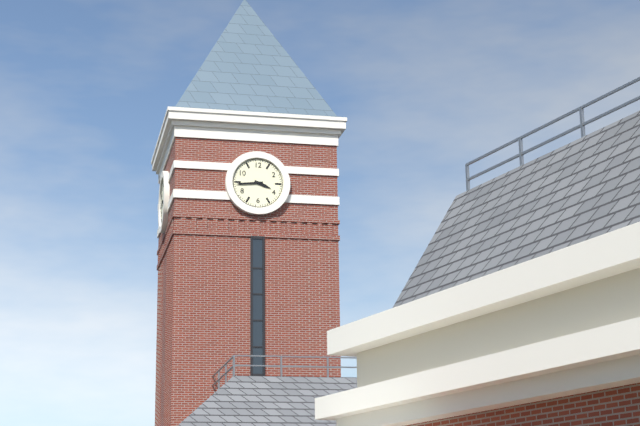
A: 3:44
